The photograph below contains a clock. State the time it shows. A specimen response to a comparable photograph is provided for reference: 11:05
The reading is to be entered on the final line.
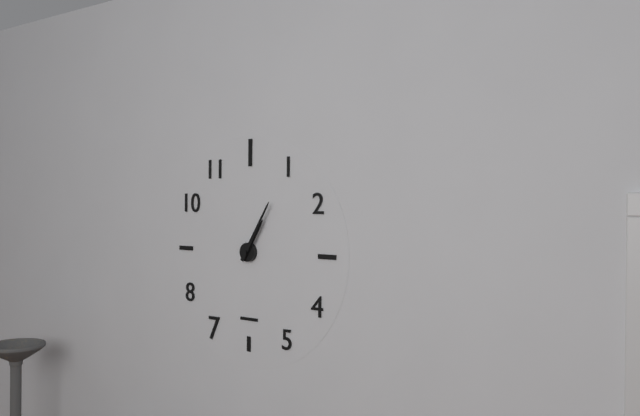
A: 1:05
